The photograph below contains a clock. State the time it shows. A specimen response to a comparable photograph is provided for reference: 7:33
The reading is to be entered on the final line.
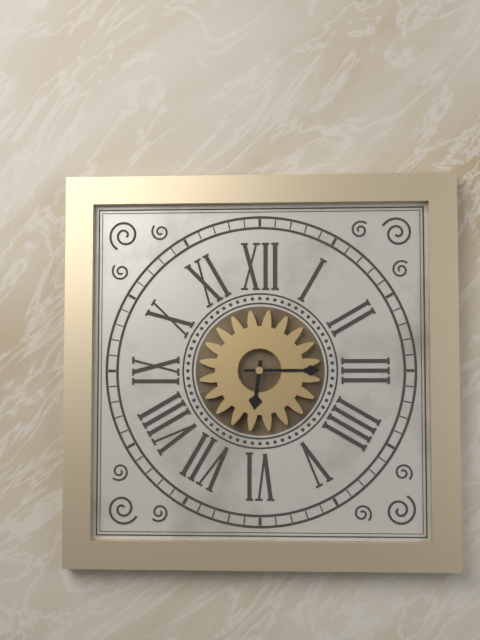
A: 6:15
